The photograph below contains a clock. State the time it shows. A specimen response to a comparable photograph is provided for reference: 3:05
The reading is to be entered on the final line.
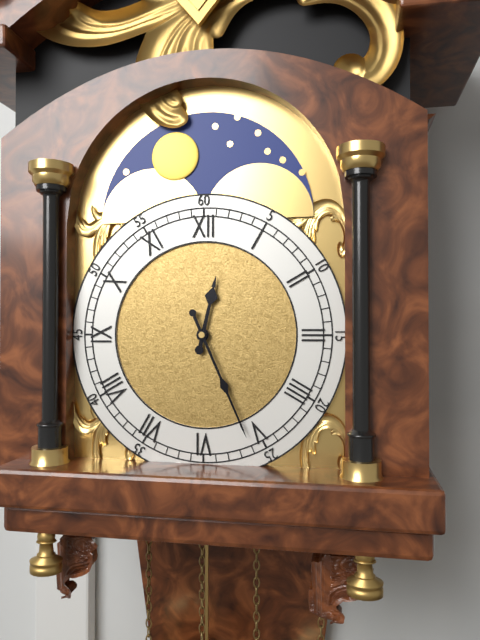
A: 12:26
